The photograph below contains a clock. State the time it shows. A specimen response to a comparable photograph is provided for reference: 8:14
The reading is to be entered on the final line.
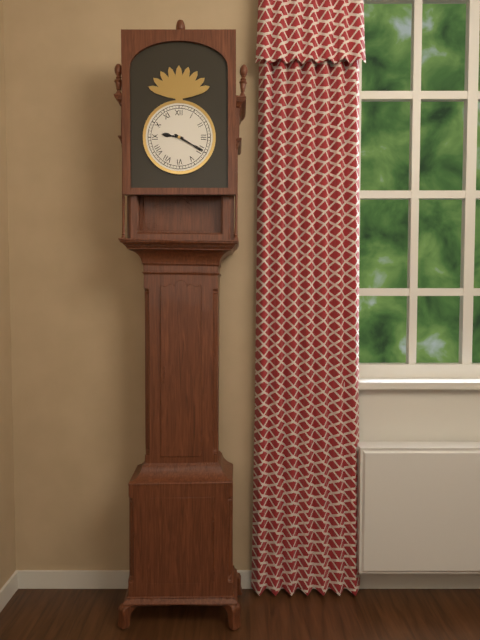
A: 9:20
